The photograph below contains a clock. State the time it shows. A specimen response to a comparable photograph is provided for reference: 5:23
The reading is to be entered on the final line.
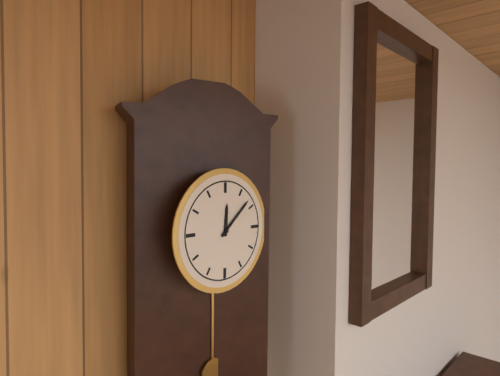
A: 12:08
